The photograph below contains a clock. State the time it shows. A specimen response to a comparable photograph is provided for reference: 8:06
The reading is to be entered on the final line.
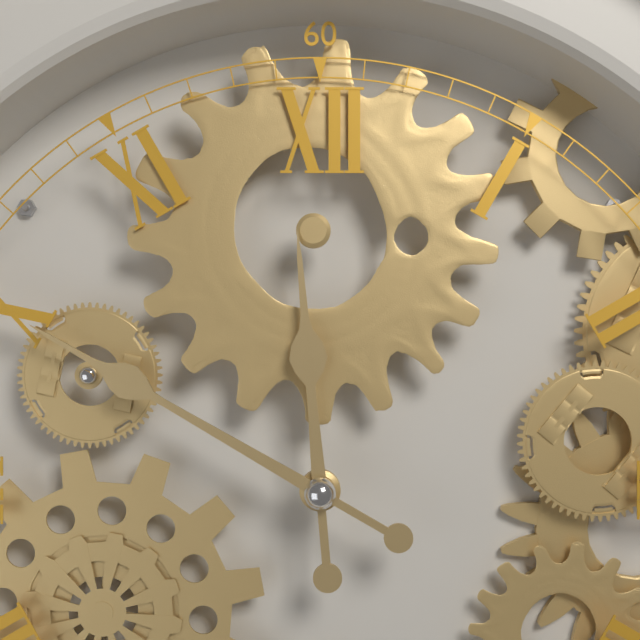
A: 11:50
